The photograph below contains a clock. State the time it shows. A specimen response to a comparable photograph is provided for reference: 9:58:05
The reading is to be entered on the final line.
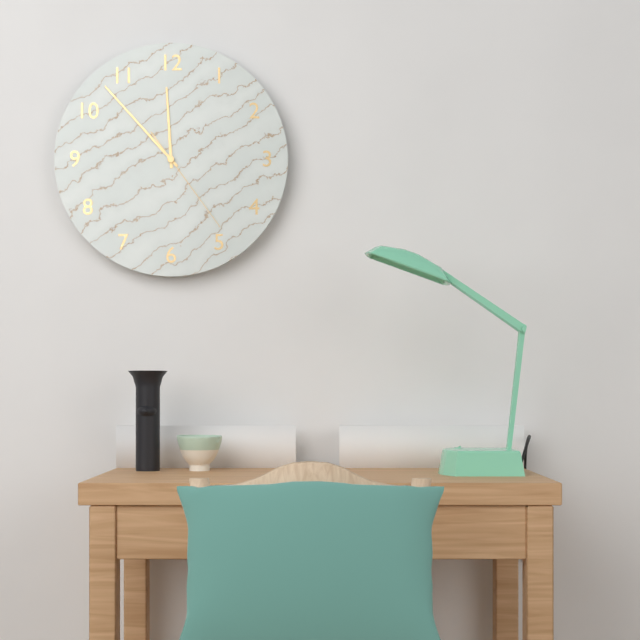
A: 11:53:24
